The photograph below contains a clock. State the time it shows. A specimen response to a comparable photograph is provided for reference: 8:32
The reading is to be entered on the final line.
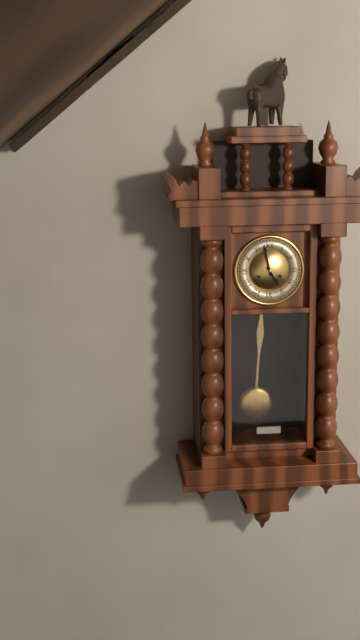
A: 4:58
